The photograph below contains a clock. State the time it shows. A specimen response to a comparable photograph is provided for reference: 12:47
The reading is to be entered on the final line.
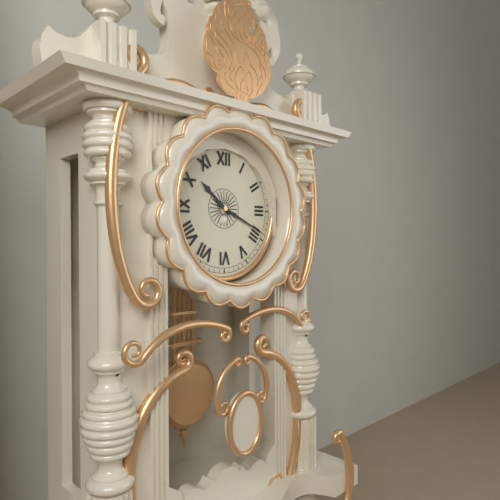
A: 10:19
